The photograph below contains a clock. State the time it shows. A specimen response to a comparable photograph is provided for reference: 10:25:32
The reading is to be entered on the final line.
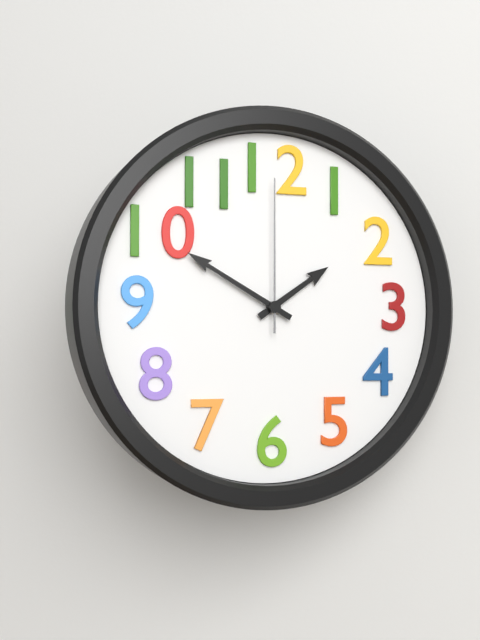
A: 1:50:00
